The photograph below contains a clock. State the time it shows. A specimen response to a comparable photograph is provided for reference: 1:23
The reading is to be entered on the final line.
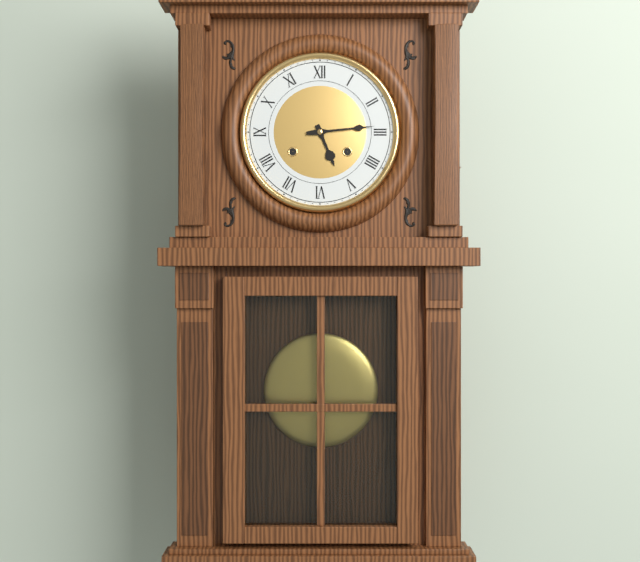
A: 5:14
